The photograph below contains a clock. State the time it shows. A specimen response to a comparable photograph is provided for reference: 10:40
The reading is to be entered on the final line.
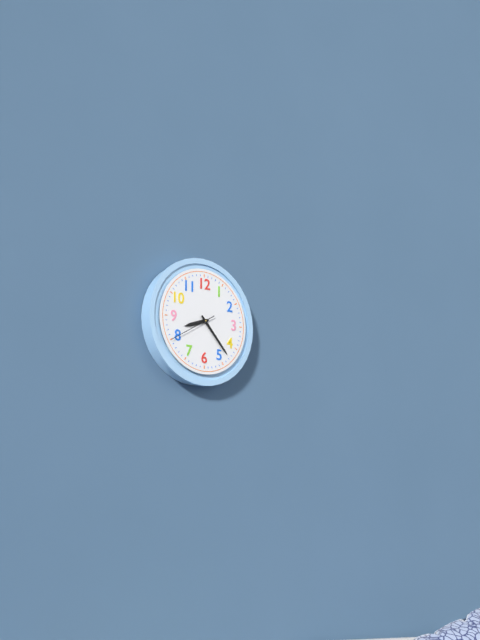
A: 8:23
